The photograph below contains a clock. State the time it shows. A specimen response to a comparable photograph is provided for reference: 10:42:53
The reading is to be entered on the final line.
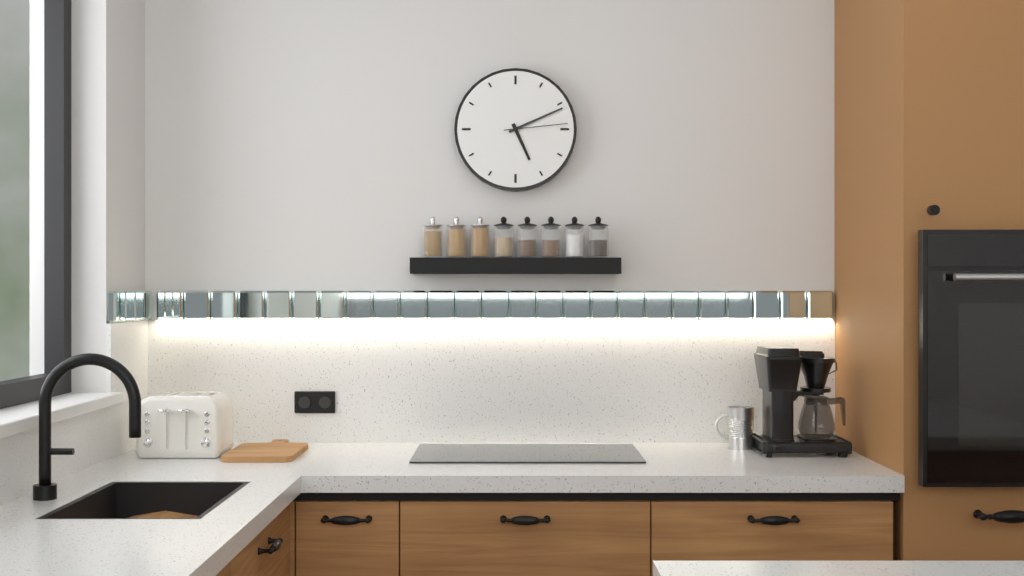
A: 5:11:14
